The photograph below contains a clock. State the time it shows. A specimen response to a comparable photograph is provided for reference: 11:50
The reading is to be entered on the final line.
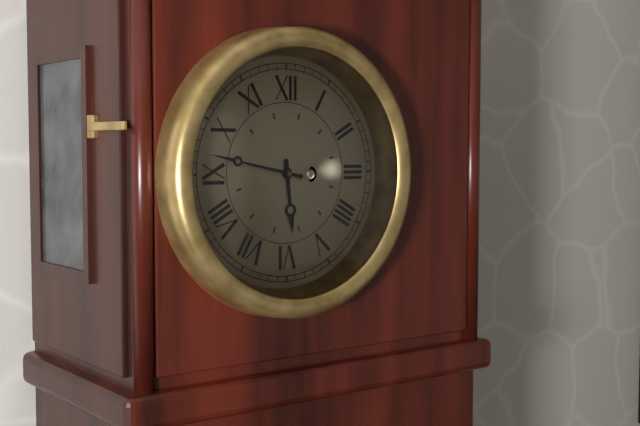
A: 5:47
